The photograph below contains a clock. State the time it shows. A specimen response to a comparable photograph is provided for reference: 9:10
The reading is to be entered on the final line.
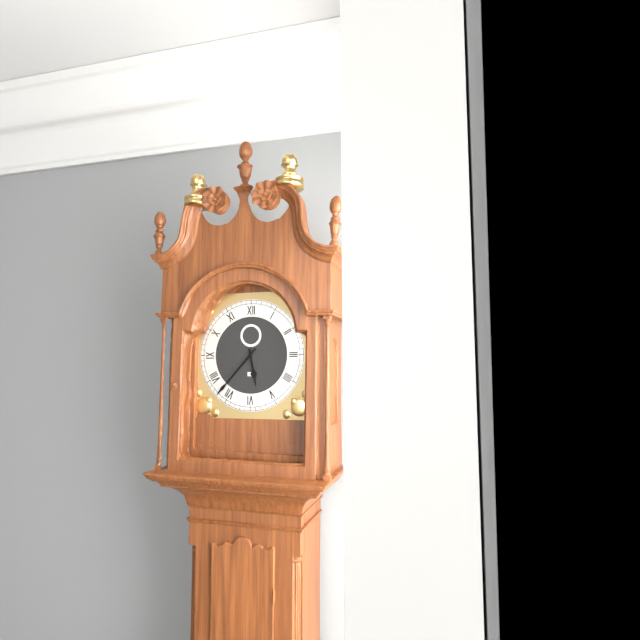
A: 5:37
